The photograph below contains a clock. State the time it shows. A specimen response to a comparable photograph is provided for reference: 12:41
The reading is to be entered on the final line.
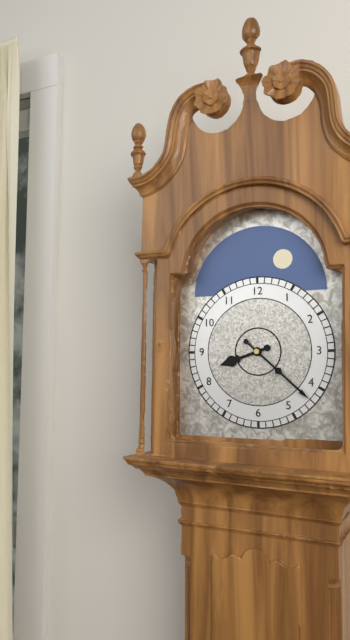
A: 8:22
